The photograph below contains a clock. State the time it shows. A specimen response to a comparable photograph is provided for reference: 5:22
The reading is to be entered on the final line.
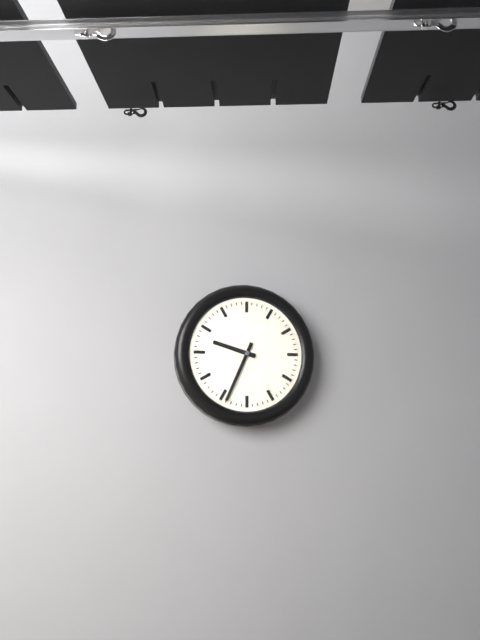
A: 9:34
